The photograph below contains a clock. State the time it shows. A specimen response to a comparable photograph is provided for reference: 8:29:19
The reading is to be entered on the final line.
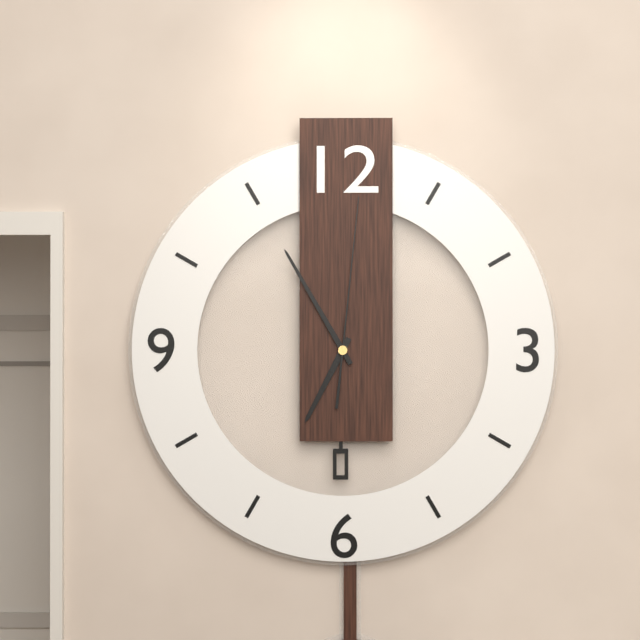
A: 6:55:01
